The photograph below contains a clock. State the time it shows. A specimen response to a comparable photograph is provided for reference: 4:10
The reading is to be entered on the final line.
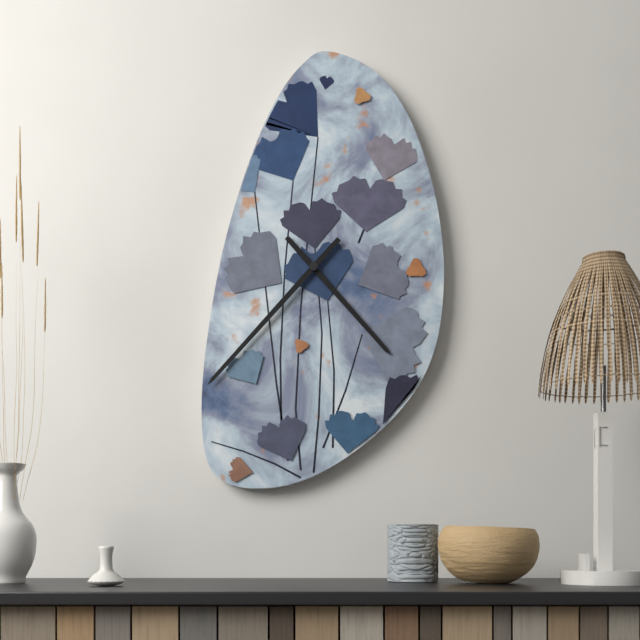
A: 4:37
